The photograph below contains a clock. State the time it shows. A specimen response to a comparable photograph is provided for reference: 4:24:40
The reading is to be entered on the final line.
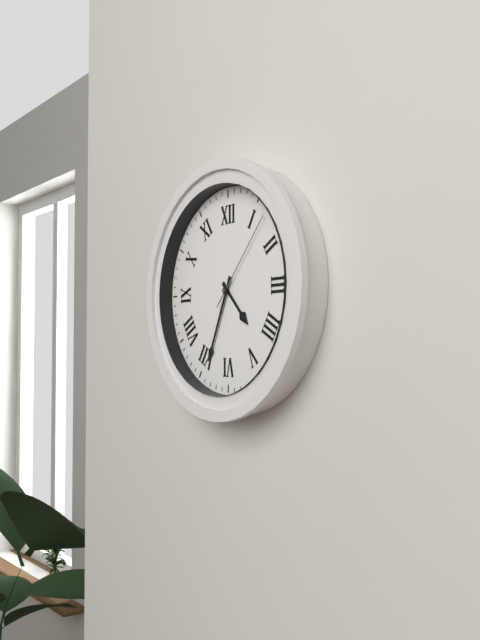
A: 4:34:07
